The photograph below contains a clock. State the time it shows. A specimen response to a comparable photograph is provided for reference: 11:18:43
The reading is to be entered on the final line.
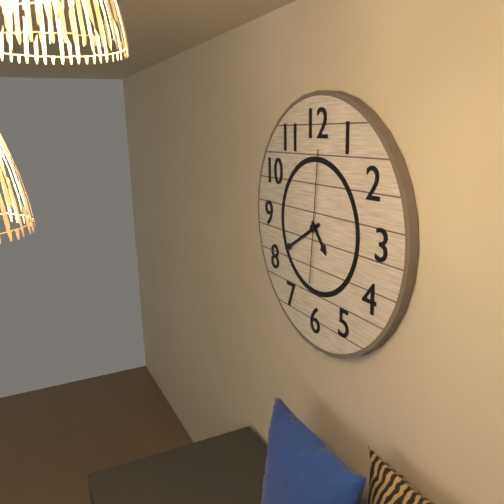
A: 4:40:01
